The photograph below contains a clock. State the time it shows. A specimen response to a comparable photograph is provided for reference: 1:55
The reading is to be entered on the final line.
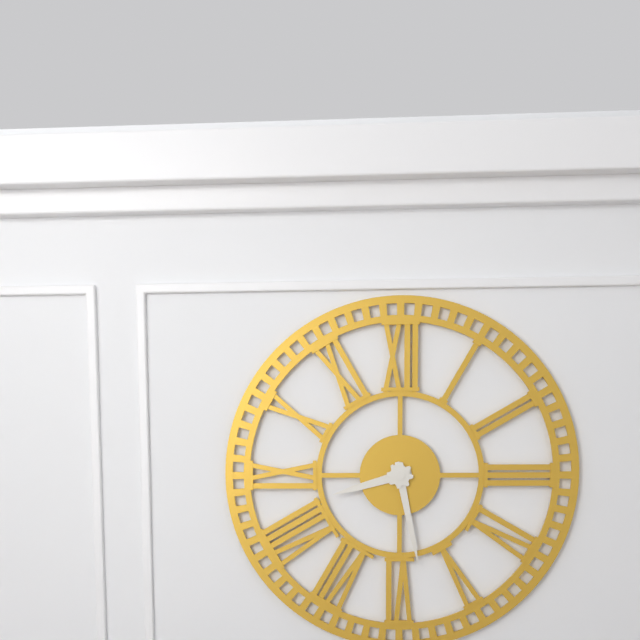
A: 8:28
